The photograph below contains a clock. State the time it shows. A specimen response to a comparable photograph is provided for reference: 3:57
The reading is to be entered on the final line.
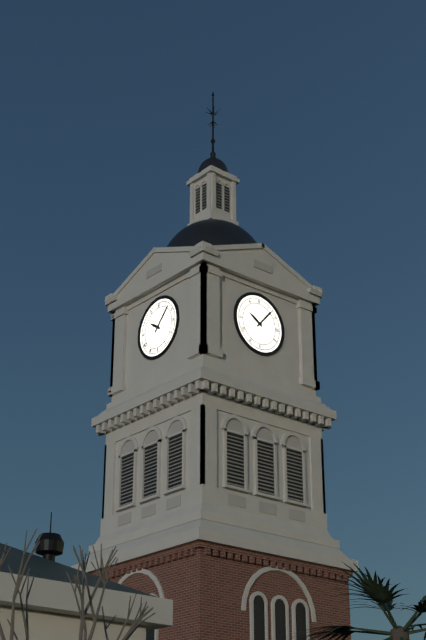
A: 10:07
